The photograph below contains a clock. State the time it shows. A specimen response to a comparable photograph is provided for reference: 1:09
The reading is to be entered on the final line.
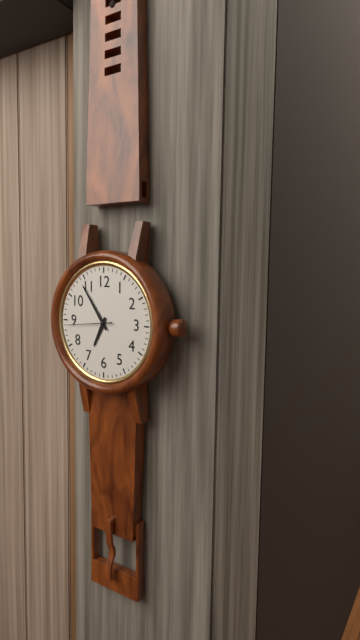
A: 6:54
